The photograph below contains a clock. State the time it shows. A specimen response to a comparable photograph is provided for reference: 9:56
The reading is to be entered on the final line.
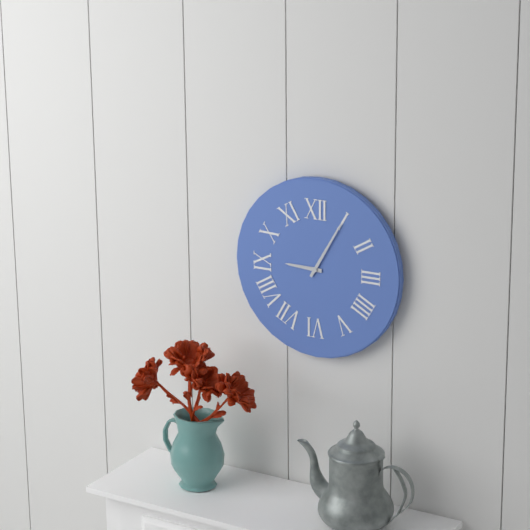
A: 9:05
